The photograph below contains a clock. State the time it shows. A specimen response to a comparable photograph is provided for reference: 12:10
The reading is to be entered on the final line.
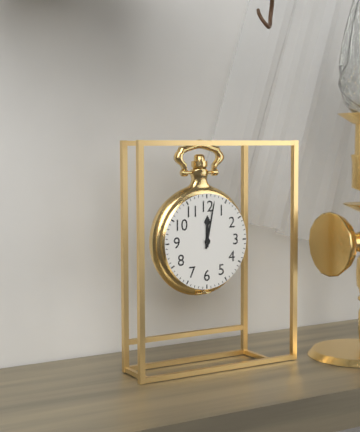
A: 12:02
